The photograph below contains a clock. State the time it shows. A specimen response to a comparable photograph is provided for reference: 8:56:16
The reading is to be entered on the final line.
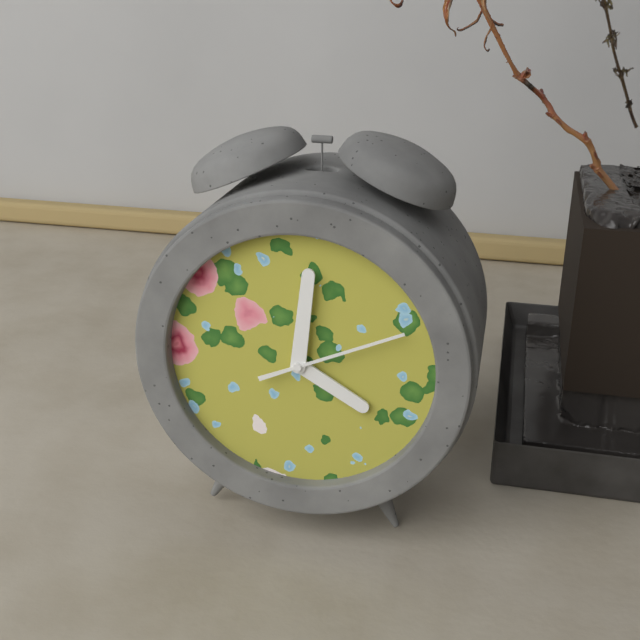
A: 4:01:11
